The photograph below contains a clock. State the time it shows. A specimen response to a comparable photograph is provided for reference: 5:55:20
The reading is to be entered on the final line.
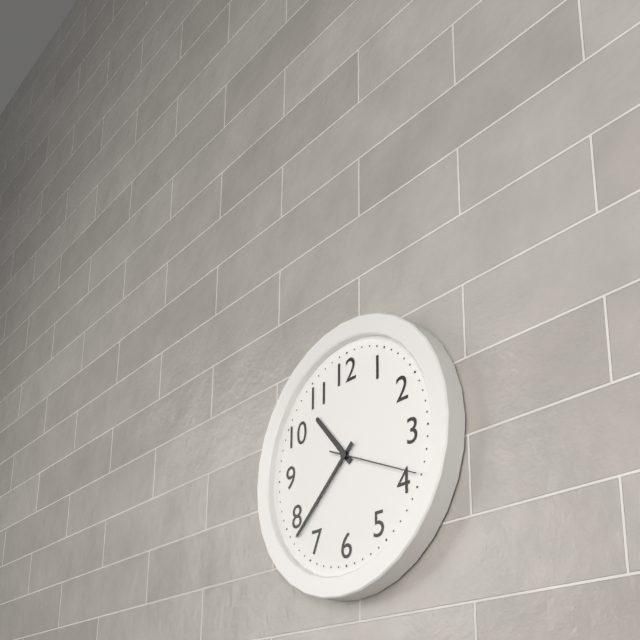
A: 10:38:19
